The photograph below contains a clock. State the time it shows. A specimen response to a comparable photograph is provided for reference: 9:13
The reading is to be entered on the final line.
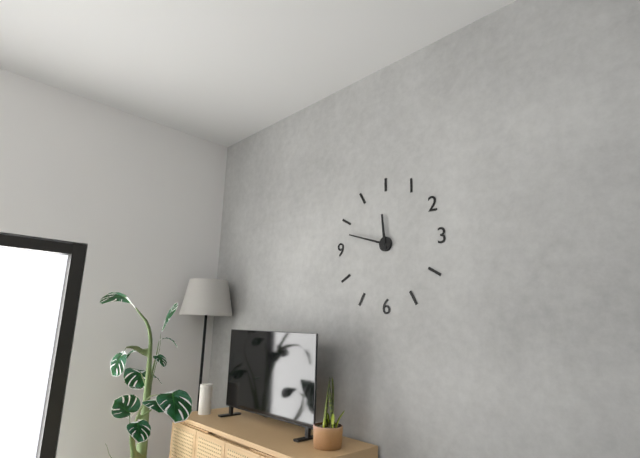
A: 11:48
